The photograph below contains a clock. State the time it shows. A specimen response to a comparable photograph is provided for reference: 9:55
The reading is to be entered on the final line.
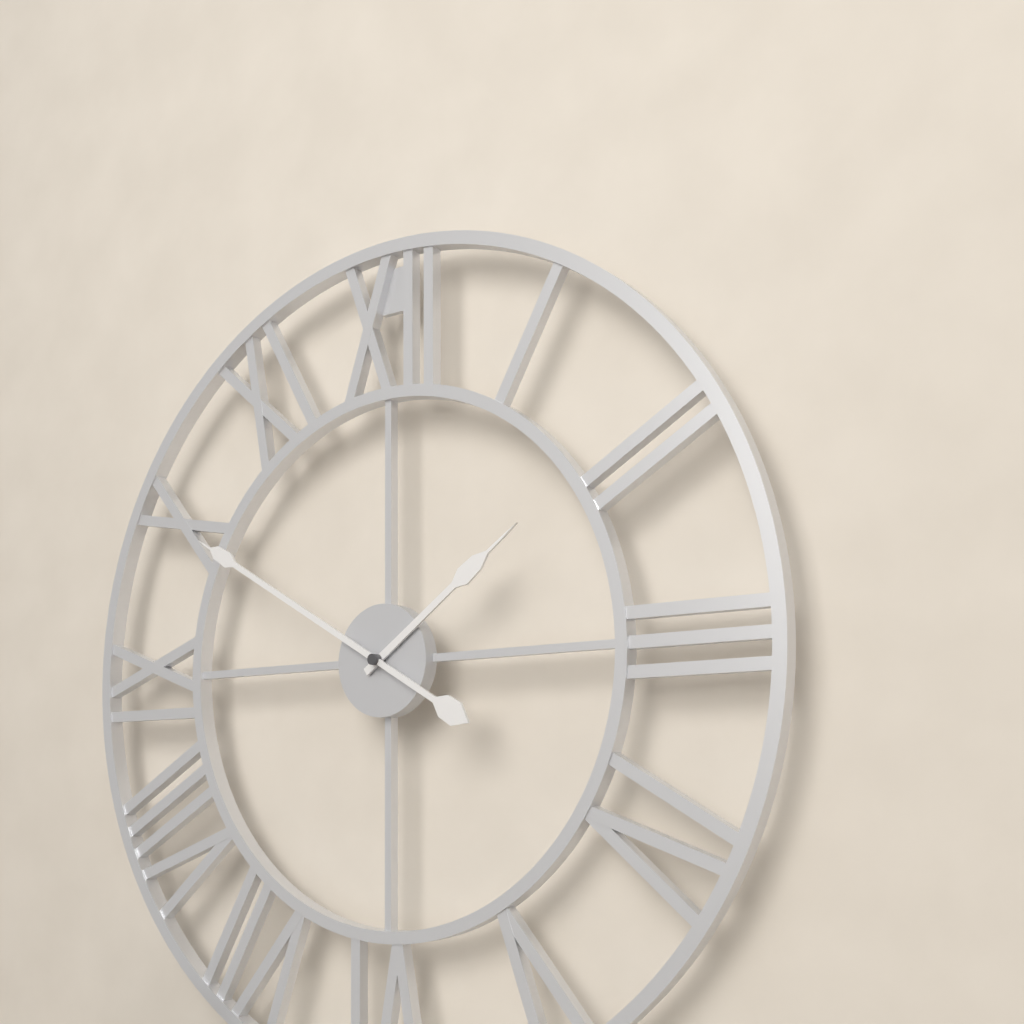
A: 1:50
